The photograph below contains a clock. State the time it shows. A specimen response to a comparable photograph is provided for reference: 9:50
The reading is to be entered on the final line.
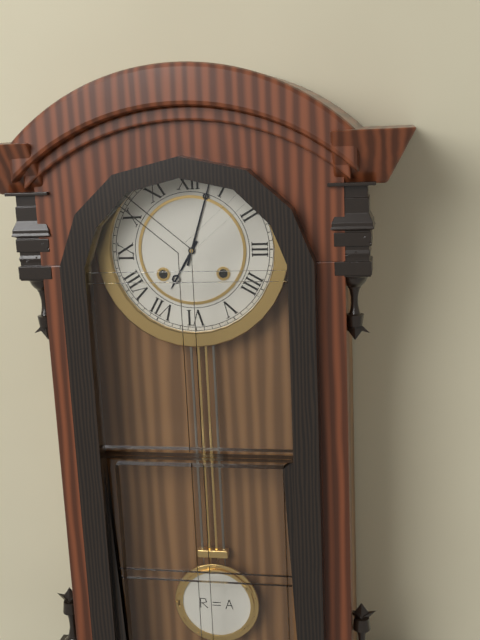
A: 7:03
